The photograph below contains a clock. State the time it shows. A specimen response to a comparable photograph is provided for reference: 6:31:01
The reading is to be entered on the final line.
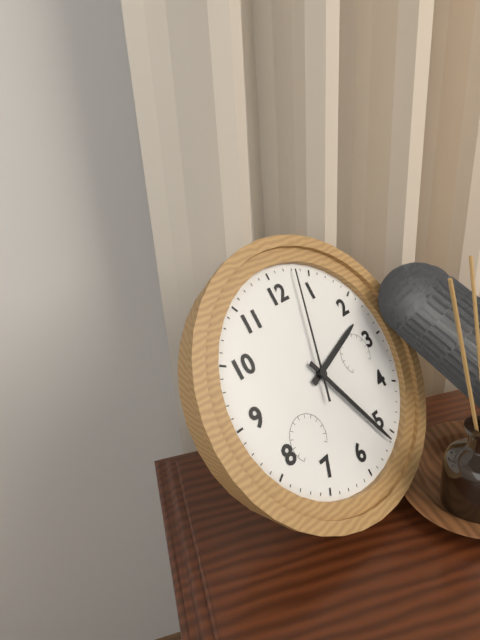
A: 2:26:03
